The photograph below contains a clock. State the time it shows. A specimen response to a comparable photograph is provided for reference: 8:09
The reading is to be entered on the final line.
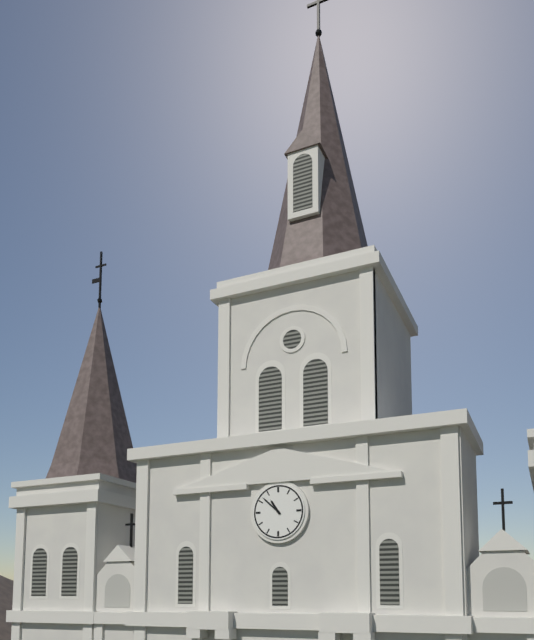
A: 10:52
